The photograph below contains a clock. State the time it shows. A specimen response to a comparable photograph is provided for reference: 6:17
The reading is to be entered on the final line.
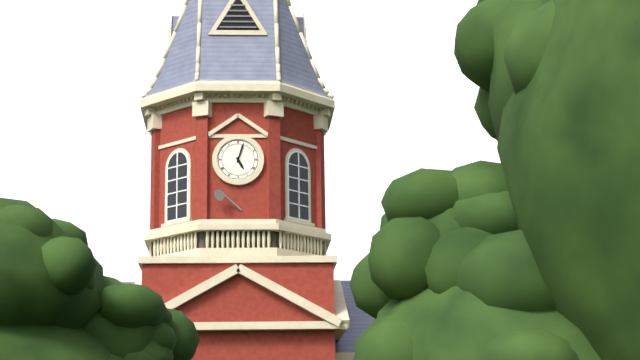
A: 5:03
